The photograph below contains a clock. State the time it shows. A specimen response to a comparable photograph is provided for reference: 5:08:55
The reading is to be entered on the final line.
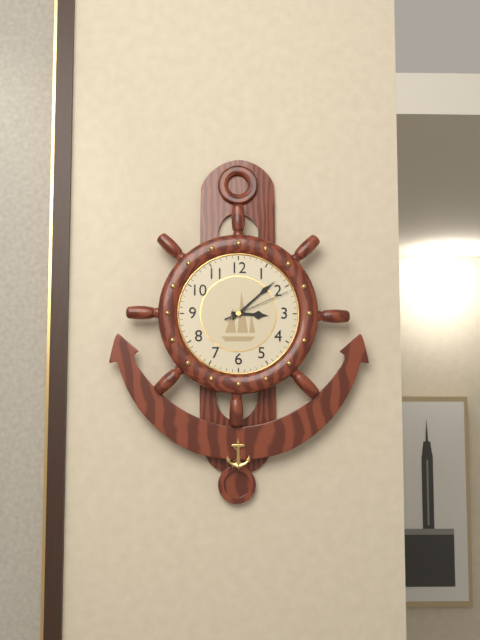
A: 3:08:11
